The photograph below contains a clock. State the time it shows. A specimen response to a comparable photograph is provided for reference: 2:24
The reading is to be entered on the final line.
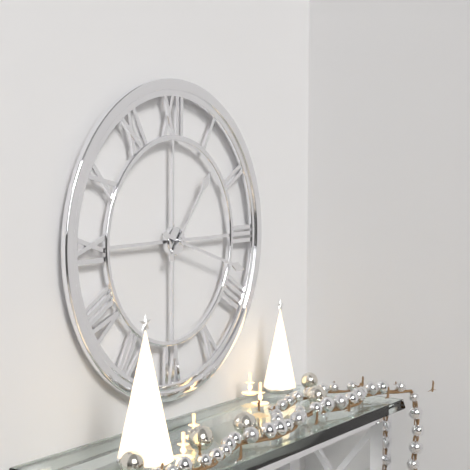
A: 1:18
